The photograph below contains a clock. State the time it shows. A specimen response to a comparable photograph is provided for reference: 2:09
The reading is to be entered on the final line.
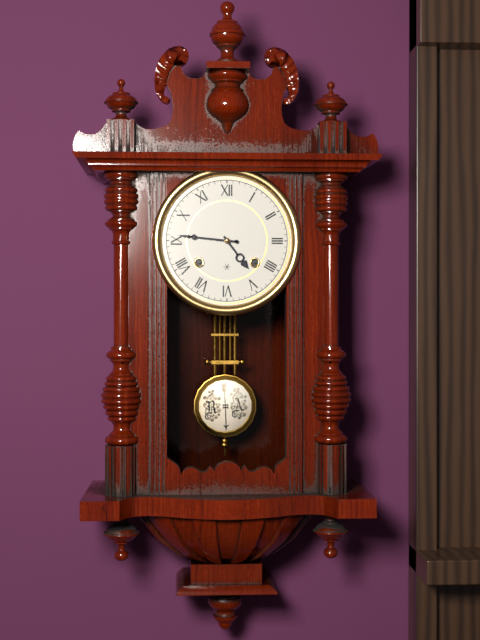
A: 4:46
